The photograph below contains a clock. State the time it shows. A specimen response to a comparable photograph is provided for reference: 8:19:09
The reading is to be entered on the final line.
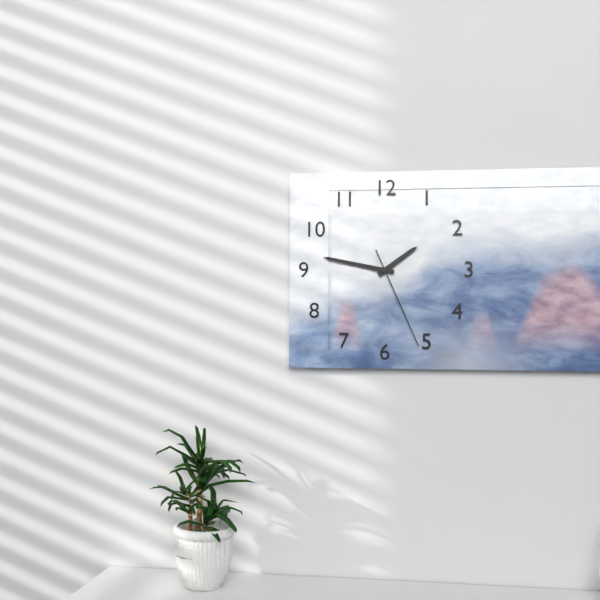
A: 1:47:26
